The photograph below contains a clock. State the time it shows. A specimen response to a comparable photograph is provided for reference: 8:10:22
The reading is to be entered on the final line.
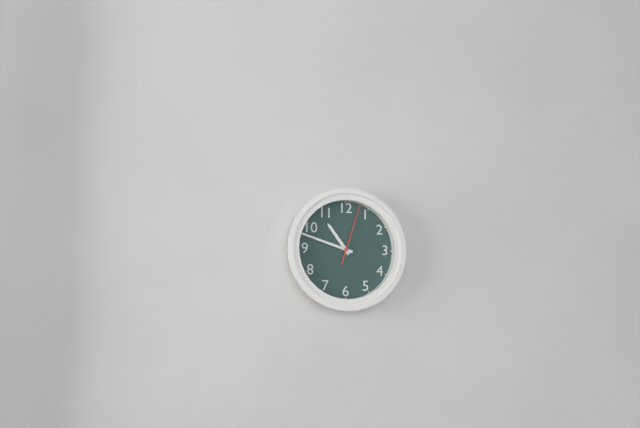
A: 10:48:03
